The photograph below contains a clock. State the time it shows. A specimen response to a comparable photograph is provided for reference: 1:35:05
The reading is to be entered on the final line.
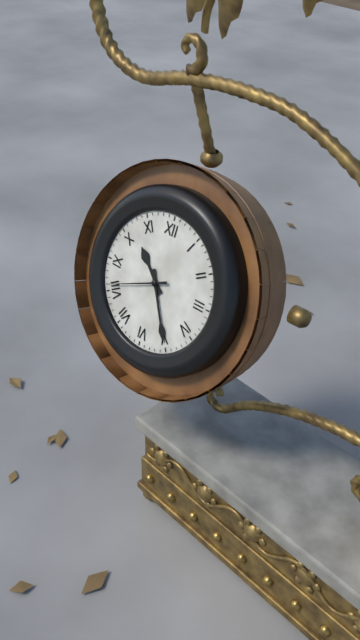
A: 10:25:41
